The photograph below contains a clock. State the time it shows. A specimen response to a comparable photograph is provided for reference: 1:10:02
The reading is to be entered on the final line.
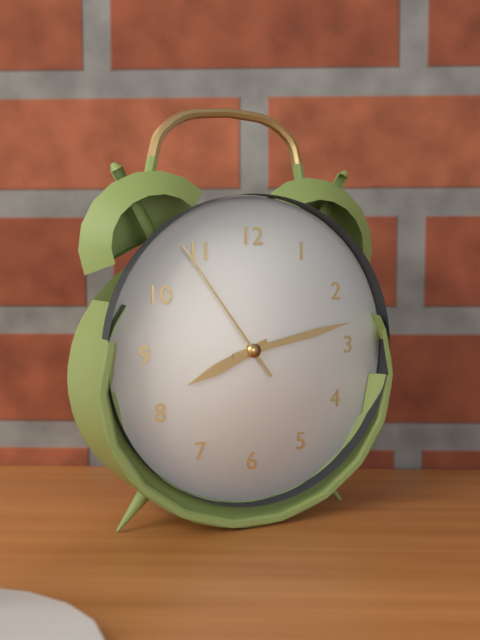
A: 8:13:54
